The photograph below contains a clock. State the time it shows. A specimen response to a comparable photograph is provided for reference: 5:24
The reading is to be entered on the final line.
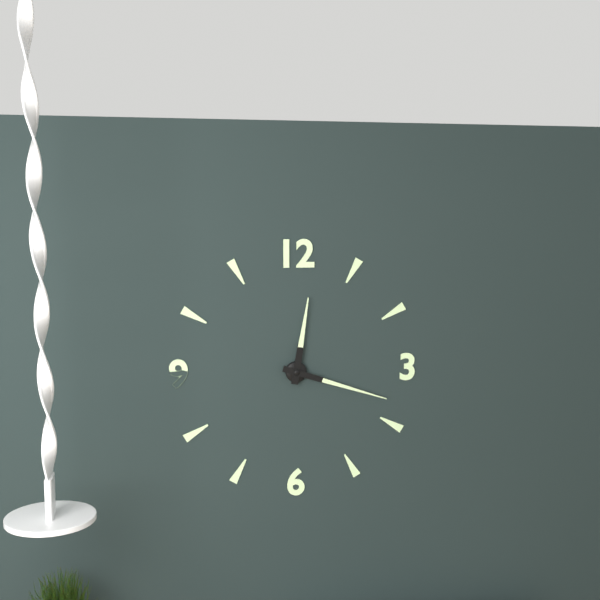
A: 12:18
